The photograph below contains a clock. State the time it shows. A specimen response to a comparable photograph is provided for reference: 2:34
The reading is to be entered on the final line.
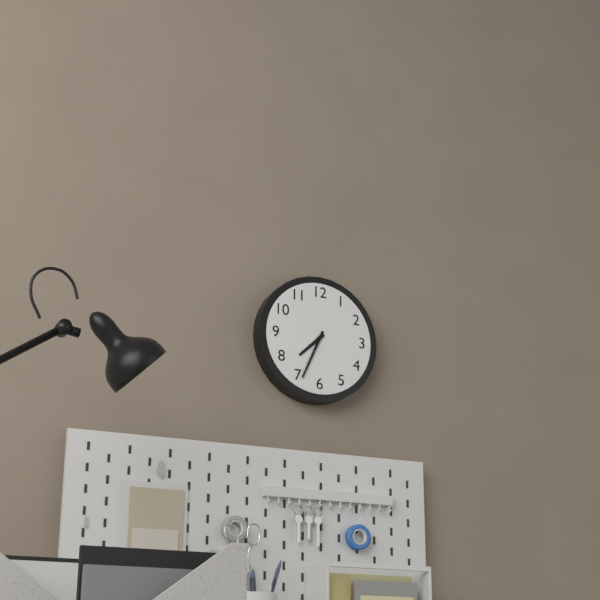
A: 7:34
